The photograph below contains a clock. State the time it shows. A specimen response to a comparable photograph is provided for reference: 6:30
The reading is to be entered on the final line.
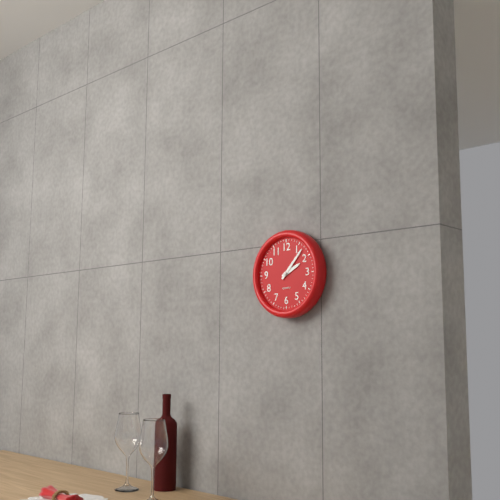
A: 2:07
